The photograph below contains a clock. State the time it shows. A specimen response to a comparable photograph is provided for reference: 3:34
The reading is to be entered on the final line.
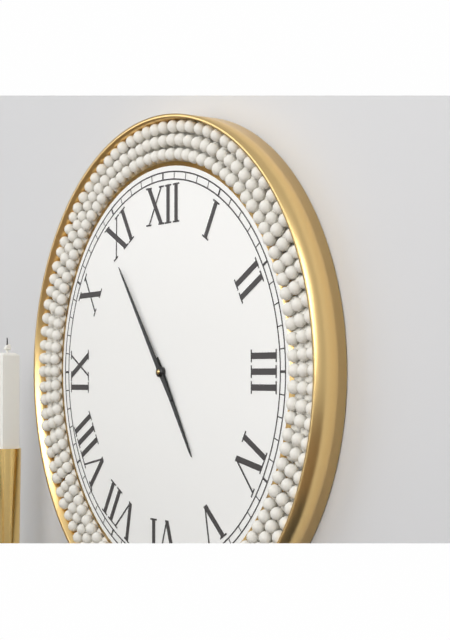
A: 4:54
